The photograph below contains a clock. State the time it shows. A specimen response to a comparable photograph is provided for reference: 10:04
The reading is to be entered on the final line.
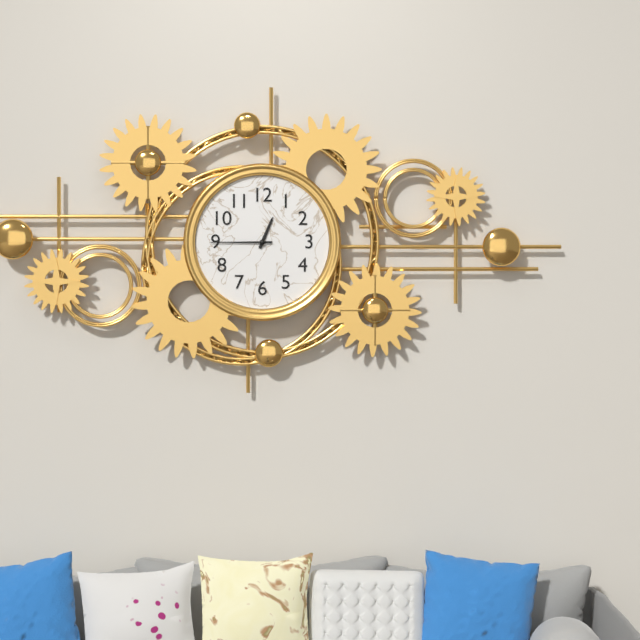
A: 12:45
